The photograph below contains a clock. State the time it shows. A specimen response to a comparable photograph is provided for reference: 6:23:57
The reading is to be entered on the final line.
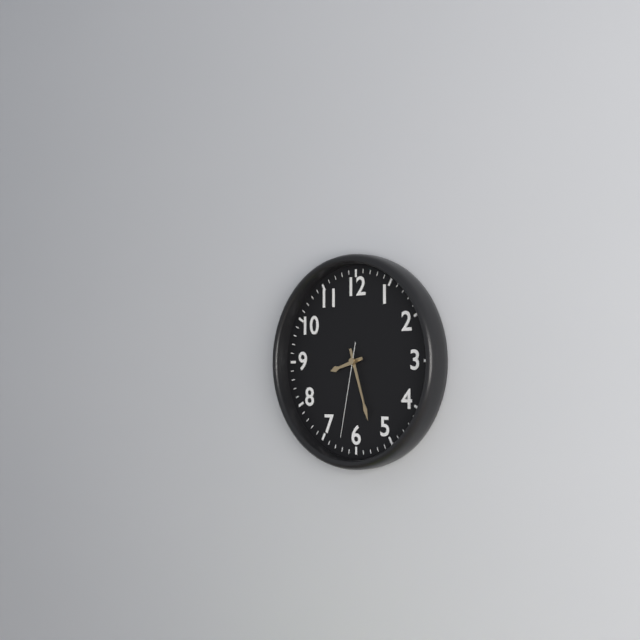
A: 8:27:32
